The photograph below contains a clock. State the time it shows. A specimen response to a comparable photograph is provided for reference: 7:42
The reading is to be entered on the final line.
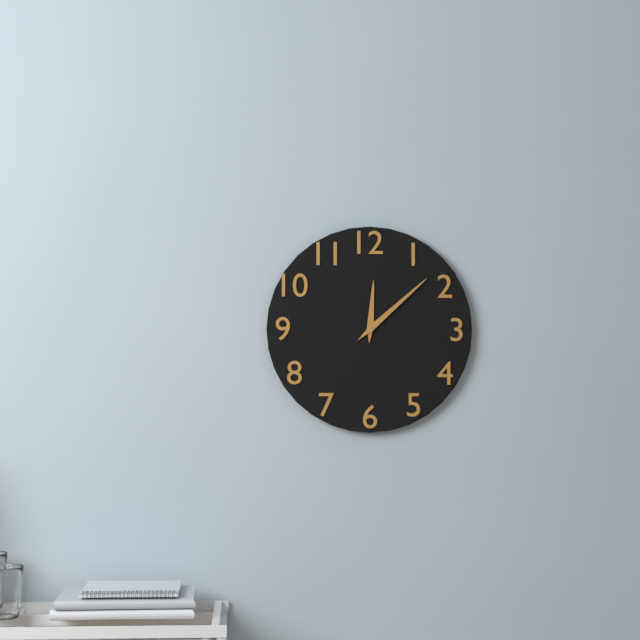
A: 12:08
